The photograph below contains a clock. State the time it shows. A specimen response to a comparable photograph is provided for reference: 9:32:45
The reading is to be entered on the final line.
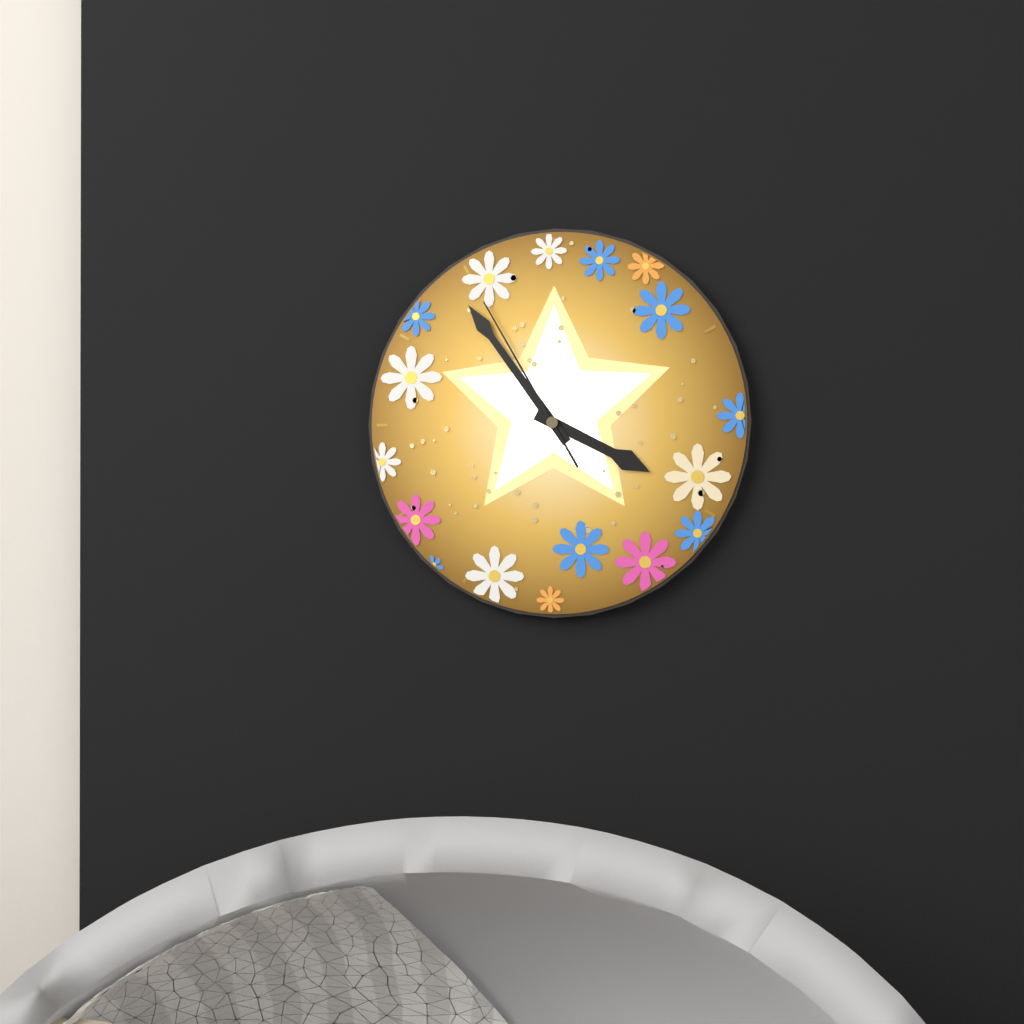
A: 3:54:55
